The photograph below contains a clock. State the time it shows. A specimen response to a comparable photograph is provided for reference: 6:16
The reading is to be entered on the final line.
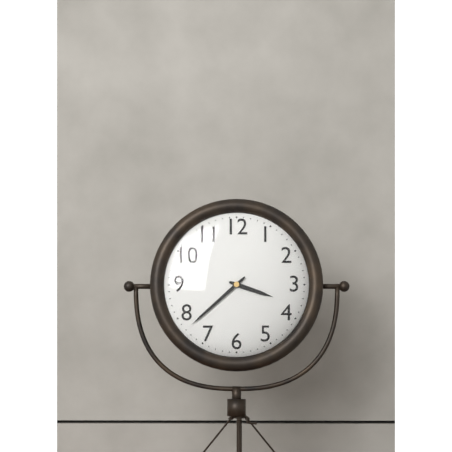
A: 3:38
